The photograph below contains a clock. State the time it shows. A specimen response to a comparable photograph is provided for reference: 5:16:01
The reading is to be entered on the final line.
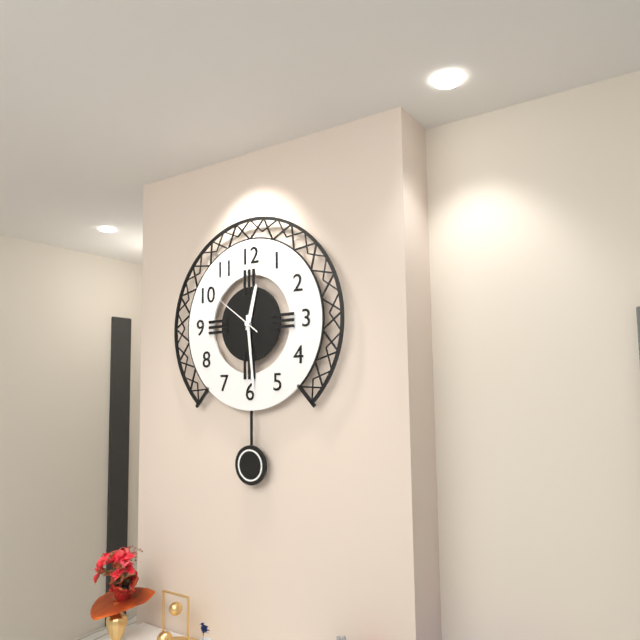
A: 12:29:51
